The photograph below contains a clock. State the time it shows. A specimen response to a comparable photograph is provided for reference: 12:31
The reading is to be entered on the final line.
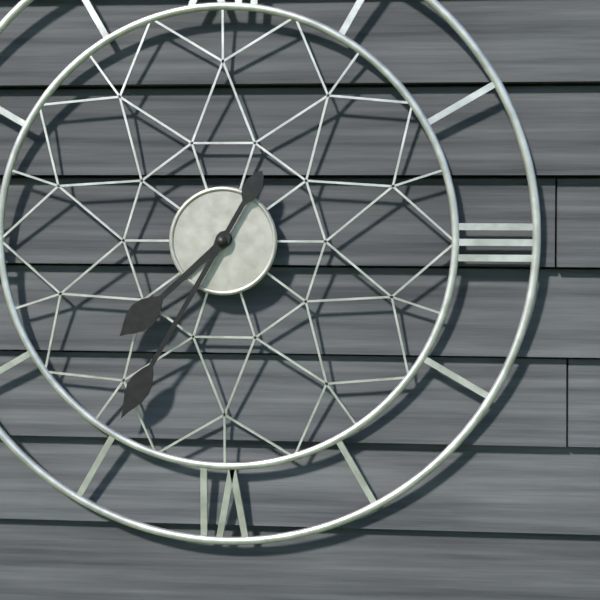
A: 7:35
